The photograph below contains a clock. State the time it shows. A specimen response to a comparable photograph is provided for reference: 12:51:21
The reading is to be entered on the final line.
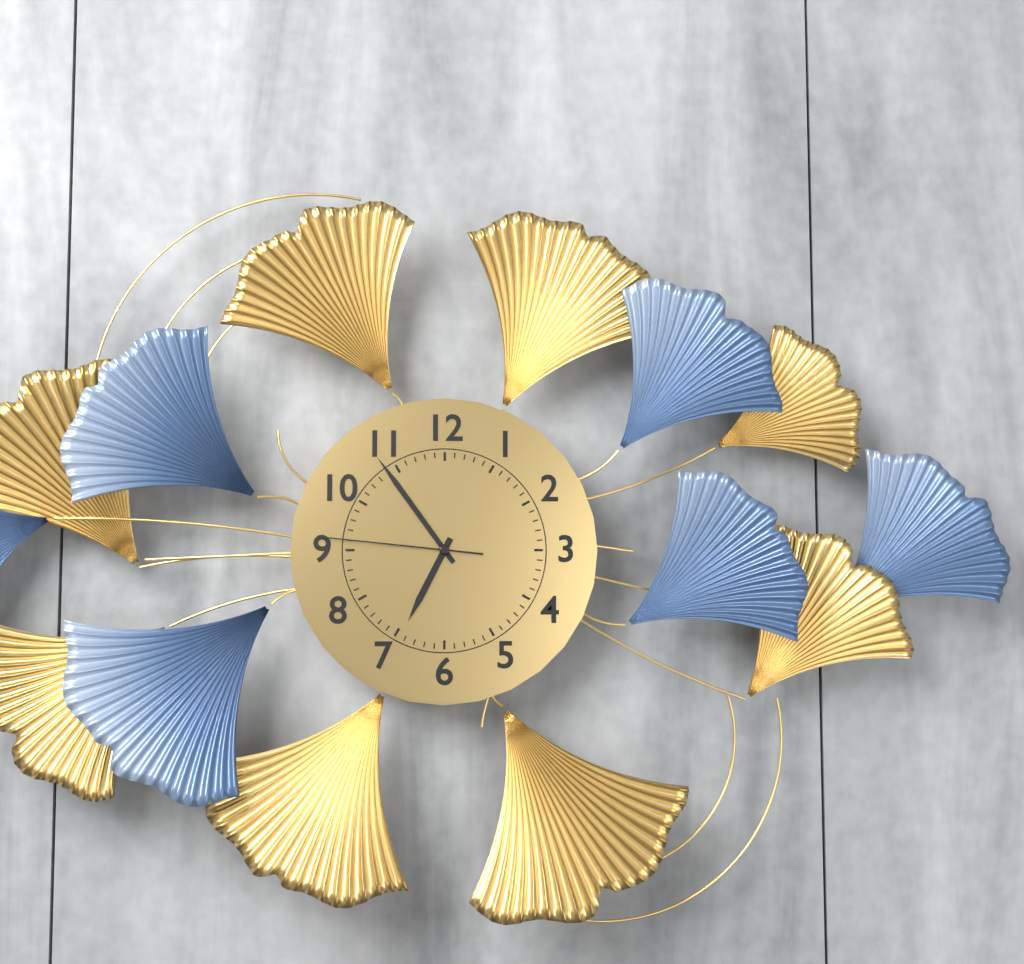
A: 6:54:46
